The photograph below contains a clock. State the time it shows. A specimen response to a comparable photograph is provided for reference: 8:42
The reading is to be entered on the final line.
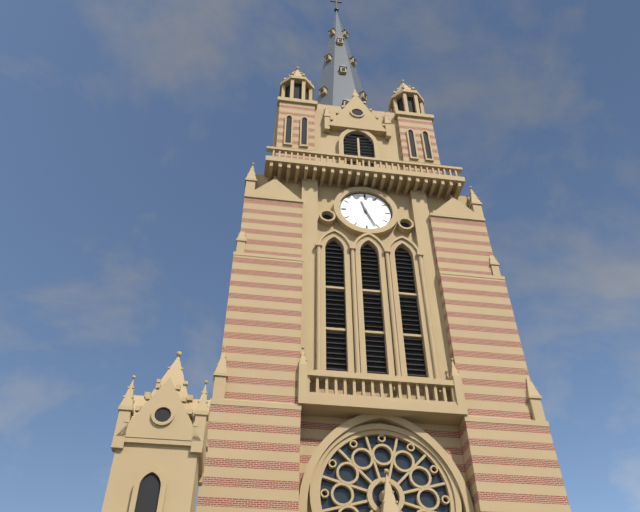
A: 11:26
